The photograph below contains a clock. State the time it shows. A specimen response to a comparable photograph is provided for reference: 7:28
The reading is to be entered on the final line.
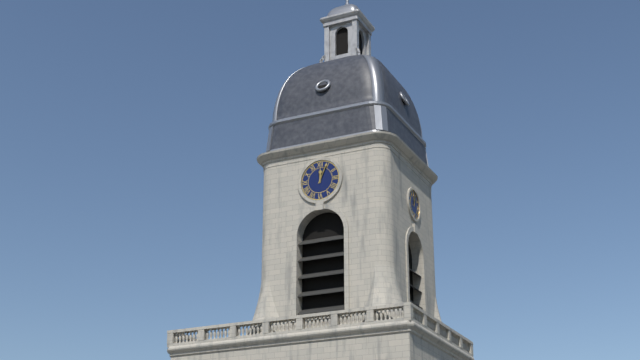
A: 12:04
